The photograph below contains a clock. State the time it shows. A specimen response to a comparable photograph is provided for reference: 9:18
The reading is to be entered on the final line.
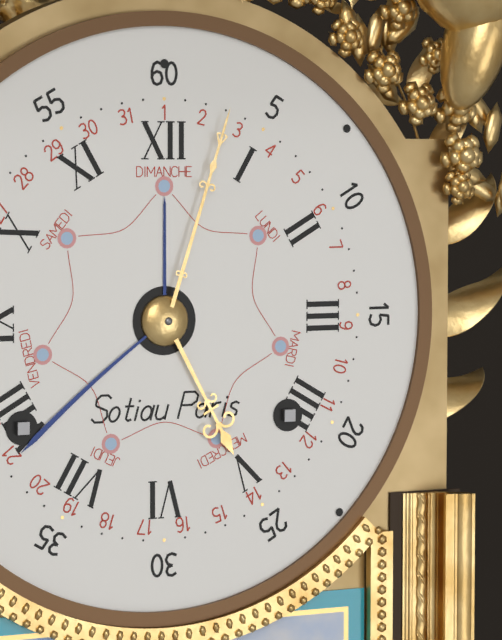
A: 5:03
